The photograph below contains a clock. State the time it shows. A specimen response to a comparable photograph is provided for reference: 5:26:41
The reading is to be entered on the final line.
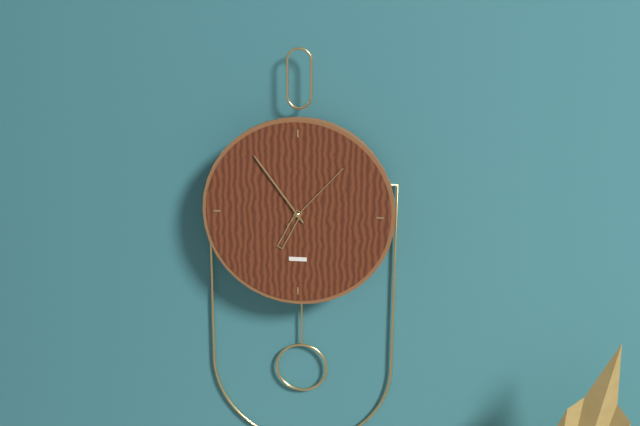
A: 6:54:07
